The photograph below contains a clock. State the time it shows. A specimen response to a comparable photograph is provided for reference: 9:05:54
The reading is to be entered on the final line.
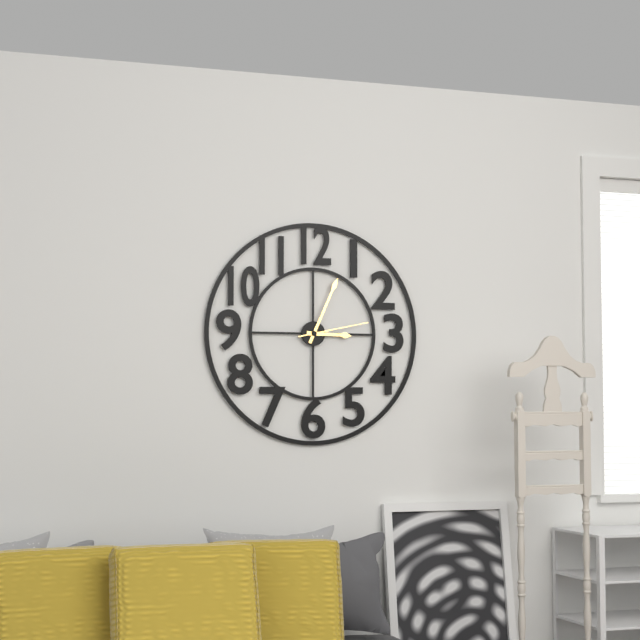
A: 3:04:13
